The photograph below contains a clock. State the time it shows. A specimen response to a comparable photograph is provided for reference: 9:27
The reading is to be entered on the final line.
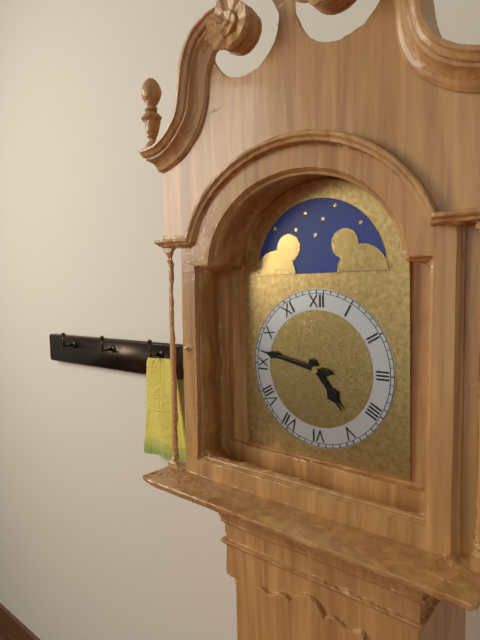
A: 4:47
